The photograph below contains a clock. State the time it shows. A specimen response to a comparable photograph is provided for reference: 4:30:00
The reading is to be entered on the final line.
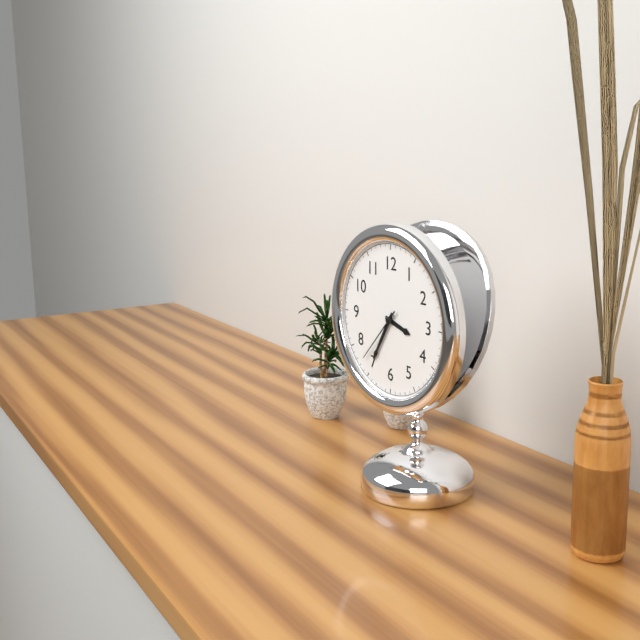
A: 3:35:37
